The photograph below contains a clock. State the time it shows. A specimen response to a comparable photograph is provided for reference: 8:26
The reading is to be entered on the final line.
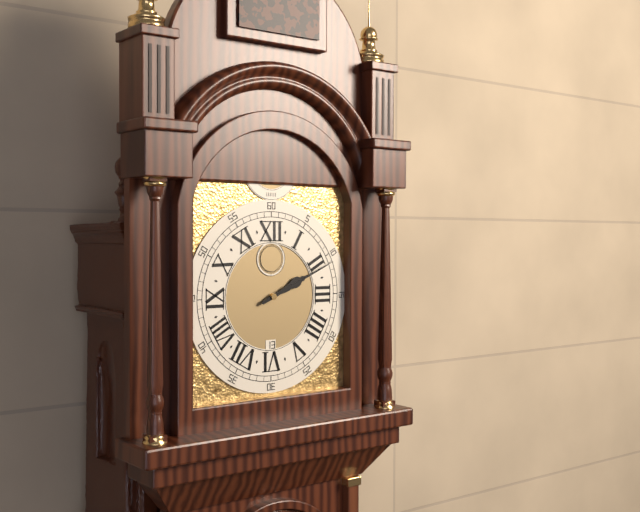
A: 2:11
